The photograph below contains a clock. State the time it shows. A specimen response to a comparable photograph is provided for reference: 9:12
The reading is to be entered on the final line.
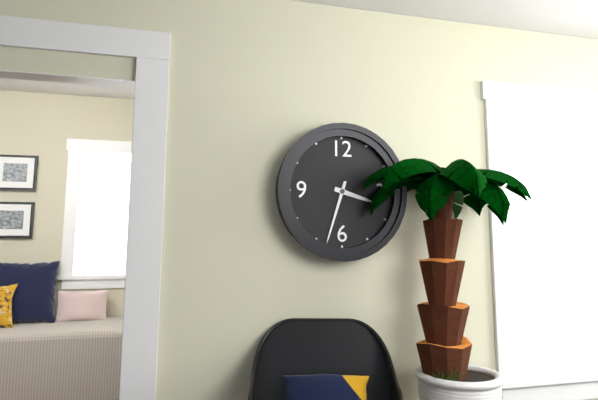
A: 3:33
